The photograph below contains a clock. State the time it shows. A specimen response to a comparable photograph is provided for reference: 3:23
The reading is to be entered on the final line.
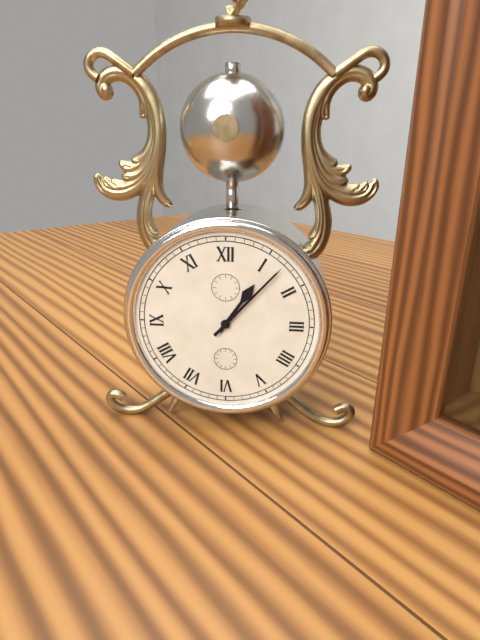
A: 1:07
